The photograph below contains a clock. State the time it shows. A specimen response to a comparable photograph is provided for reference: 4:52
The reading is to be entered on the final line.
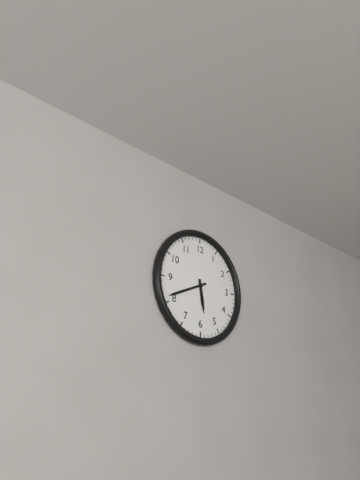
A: 5:41
